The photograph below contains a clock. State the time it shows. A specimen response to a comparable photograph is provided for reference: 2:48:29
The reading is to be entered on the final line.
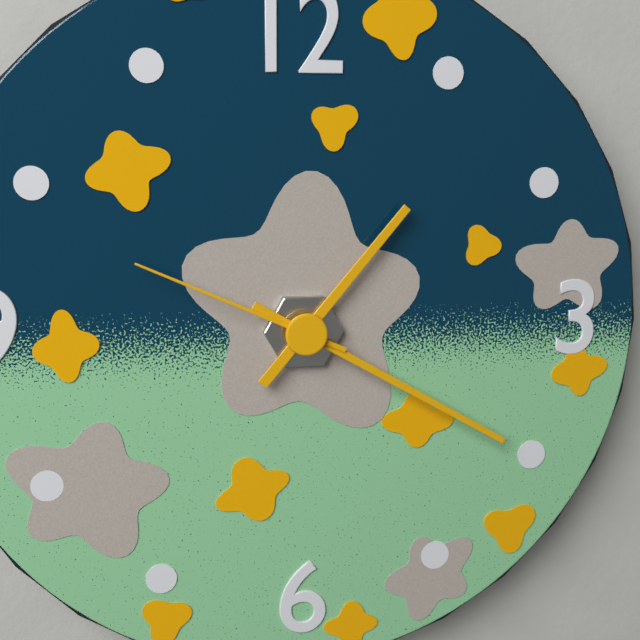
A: 1:20:49
